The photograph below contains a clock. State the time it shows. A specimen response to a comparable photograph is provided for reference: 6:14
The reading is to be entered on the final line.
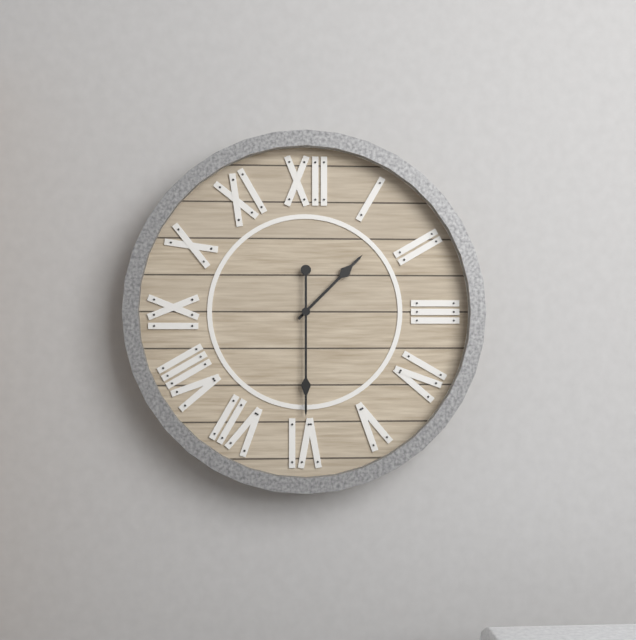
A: 1:30
